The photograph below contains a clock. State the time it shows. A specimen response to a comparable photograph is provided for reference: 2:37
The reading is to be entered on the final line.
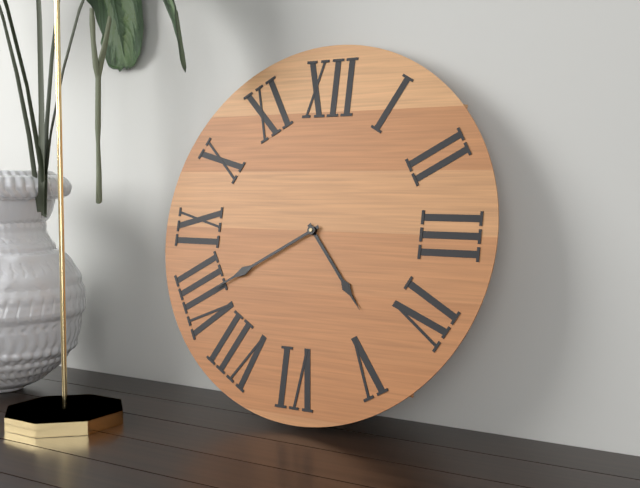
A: 4:40
